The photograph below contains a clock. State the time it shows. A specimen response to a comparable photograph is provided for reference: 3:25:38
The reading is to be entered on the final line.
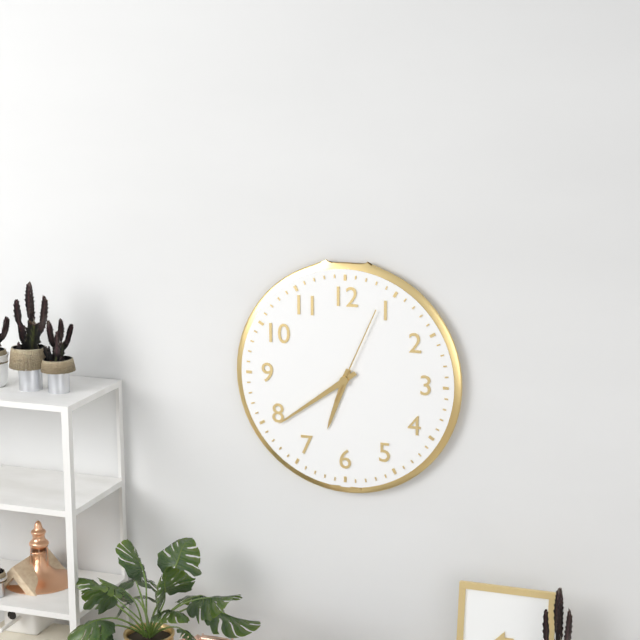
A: 6:39:04
